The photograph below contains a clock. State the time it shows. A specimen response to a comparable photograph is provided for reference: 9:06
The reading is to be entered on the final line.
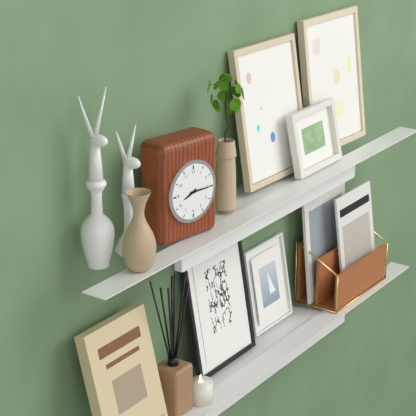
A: 8:15
